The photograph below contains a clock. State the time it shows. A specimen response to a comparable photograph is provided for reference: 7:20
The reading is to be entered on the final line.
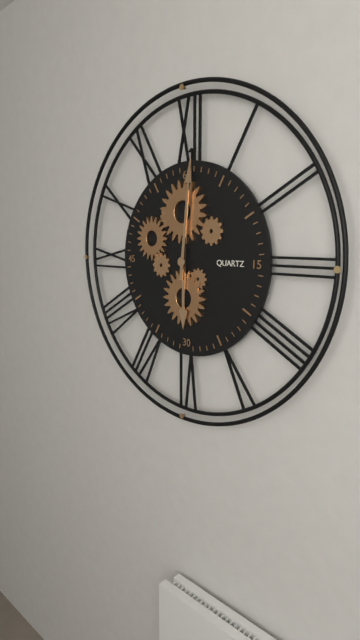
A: 6:01
